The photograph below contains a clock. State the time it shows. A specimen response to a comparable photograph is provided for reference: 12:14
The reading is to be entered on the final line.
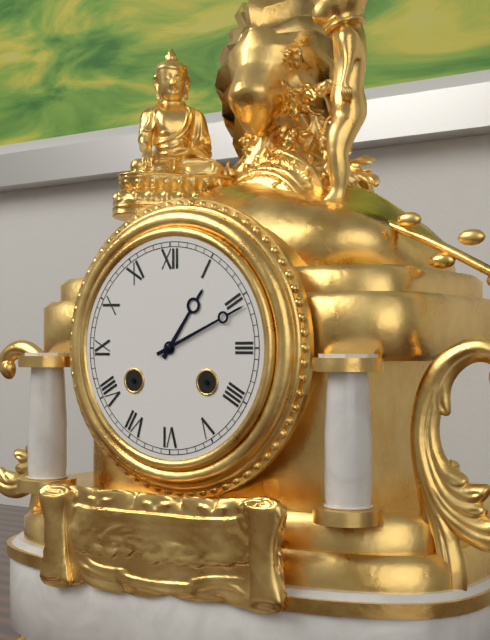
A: 1:11
